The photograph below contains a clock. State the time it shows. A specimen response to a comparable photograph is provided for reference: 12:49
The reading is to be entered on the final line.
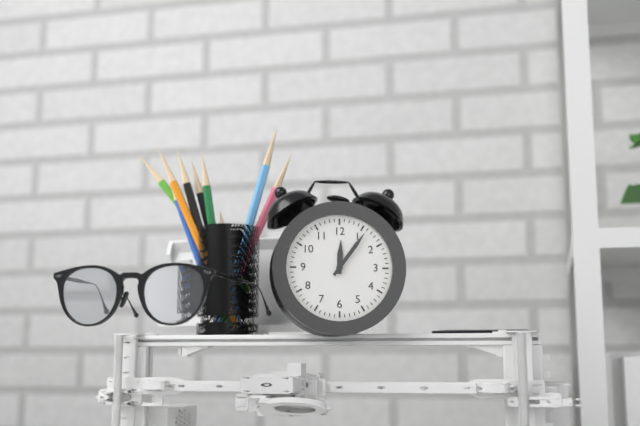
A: 12:06
